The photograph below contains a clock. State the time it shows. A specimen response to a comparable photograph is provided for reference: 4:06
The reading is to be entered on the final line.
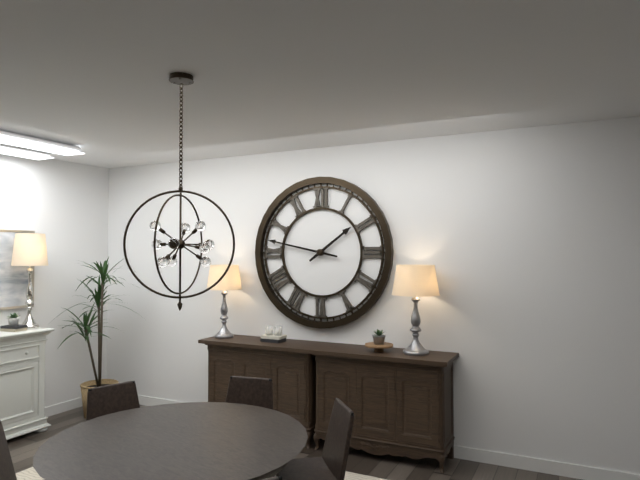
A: 1:47
